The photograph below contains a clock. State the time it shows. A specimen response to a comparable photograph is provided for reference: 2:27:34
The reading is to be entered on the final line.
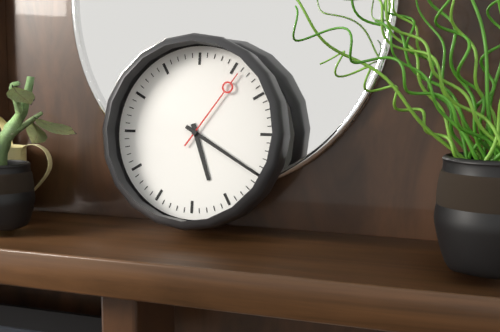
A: 5:20:06
